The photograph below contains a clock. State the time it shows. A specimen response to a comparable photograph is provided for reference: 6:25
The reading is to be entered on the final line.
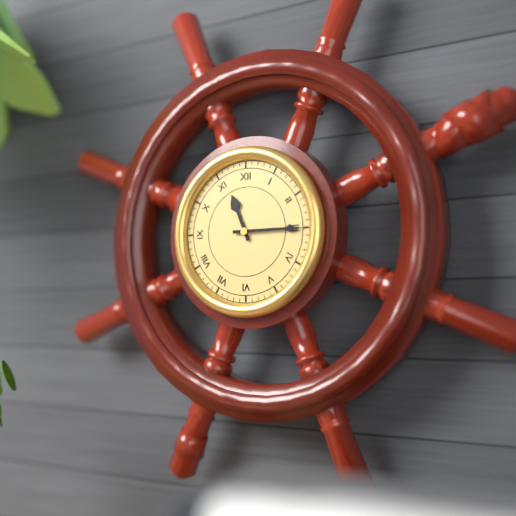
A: 11:15
